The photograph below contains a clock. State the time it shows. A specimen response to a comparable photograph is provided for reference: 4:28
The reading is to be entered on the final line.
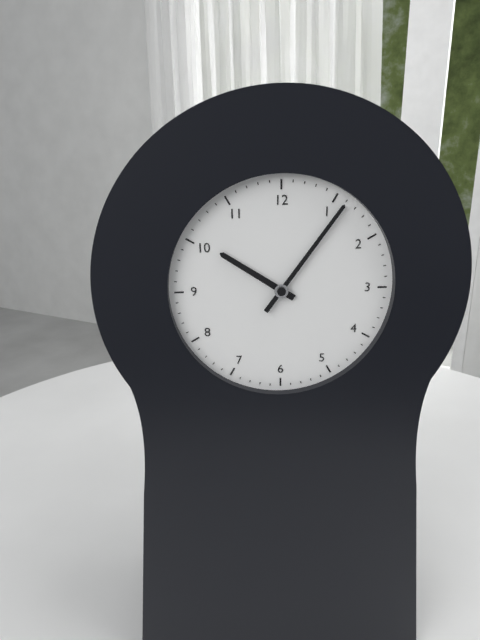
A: 10:06
